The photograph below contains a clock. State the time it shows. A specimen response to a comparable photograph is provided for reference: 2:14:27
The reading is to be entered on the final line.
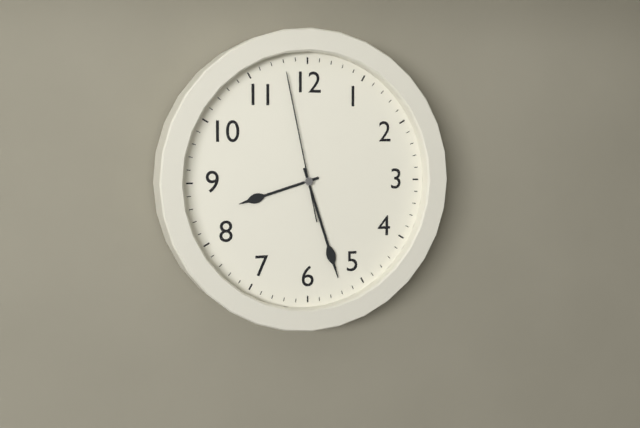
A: 8:27:58
